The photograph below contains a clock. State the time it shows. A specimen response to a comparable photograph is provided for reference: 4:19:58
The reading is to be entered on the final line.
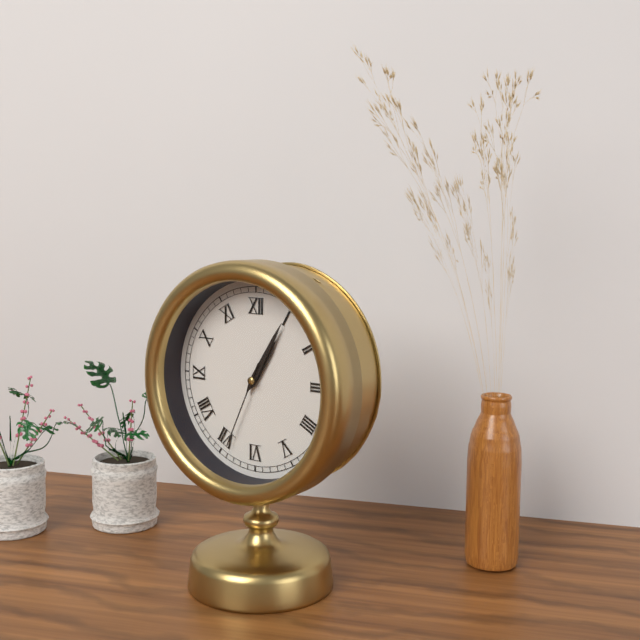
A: 1:05:34
